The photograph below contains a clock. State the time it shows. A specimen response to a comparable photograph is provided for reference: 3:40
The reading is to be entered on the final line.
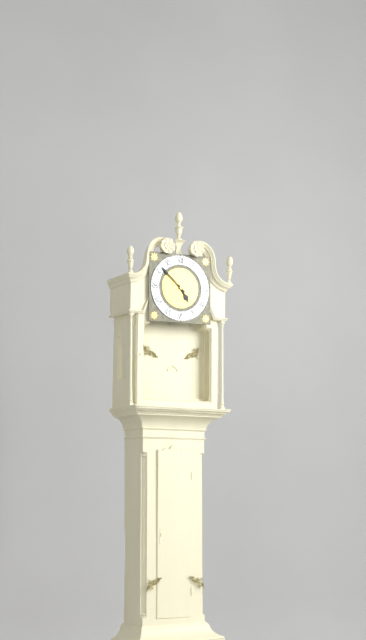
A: 4:52
